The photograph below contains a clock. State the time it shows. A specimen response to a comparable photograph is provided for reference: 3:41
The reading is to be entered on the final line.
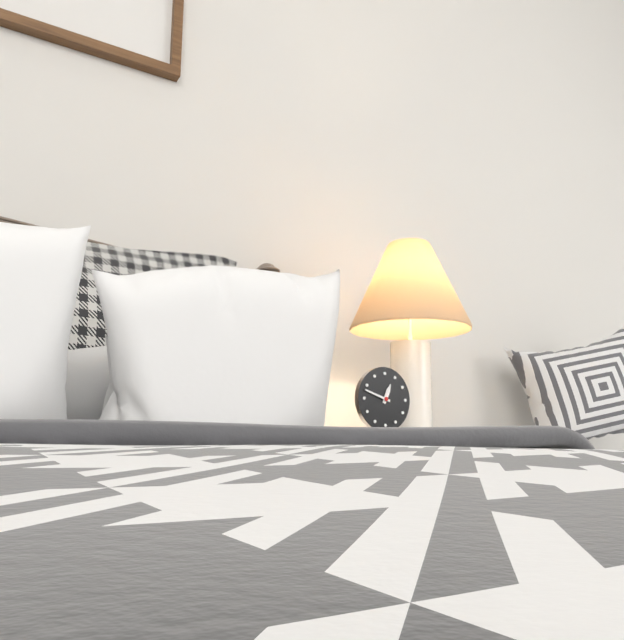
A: 12:48
